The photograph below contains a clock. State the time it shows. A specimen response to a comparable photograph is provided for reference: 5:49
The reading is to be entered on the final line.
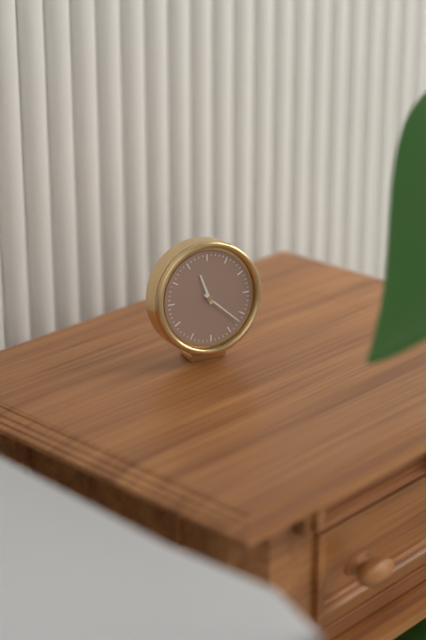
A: 11:22
